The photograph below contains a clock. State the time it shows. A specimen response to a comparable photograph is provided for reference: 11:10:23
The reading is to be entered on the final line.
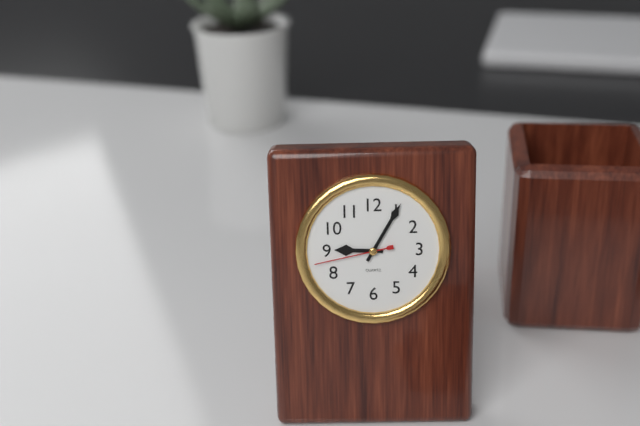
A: 9:05:43
